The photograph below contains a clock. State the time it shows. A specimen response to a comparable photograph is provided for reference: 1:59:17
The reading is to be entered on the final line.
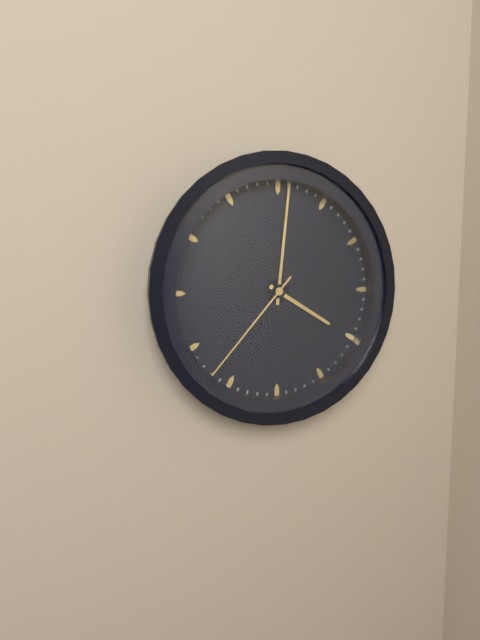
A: 4:01:37
